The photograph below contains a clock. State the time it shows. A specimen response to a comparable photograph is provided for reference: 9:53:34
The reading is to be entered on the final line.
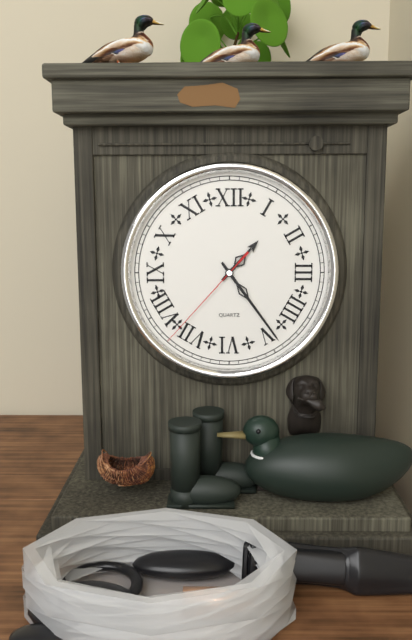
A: 1:24:37
